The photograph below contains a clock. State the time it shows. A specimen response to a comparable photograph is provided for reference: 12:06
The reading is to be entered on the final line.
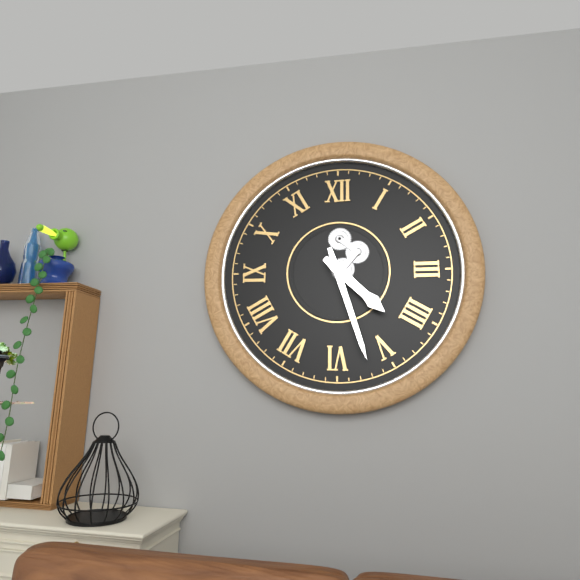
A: 4:27
